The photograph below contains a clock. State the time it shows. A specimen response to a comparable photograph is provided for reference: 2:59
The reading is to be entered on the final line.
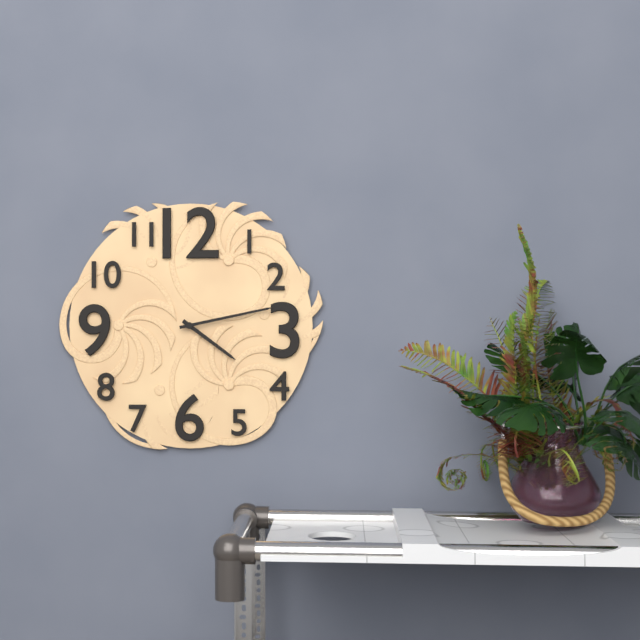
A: 4:13
